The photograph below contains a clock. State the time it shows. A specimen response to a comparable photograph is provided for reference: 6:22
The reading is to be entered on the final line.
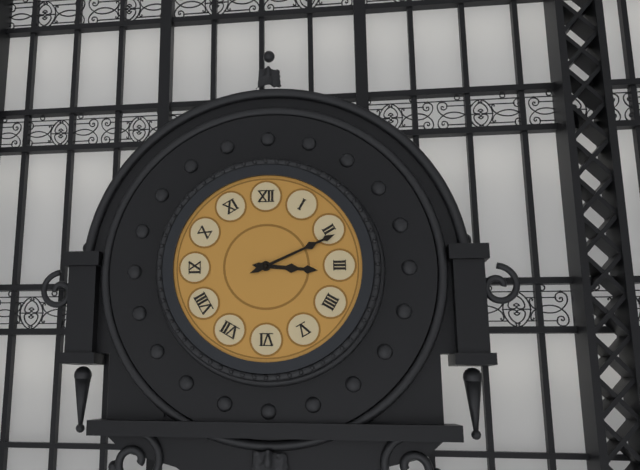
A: 3:11
